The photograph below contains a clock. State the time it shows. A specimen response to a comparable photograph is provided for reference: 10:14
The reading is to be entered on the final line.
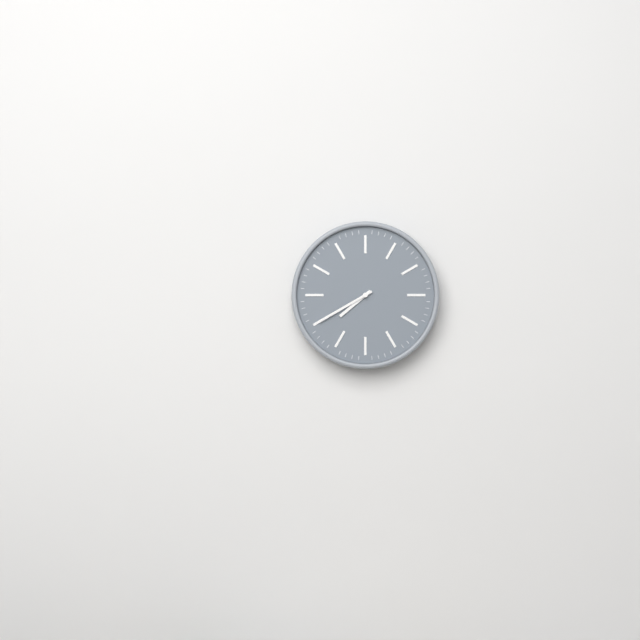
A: 7:40
